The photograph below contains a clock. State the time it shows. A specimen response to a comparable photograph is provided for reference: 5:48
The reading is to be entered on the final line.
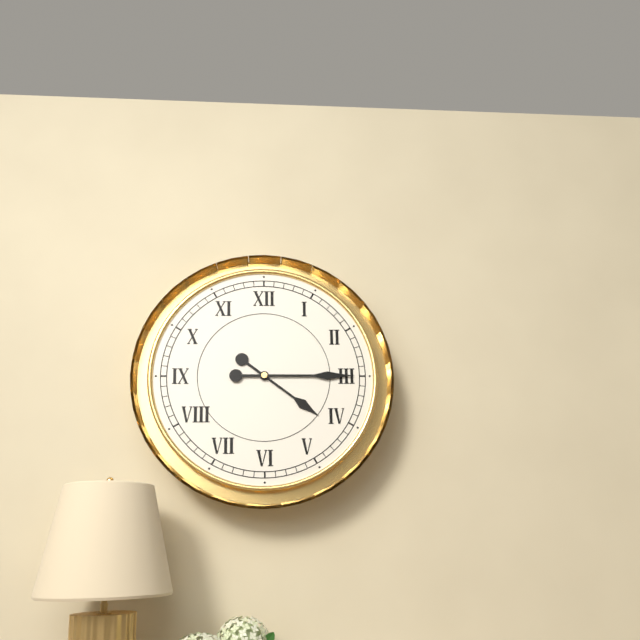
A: 4:15
